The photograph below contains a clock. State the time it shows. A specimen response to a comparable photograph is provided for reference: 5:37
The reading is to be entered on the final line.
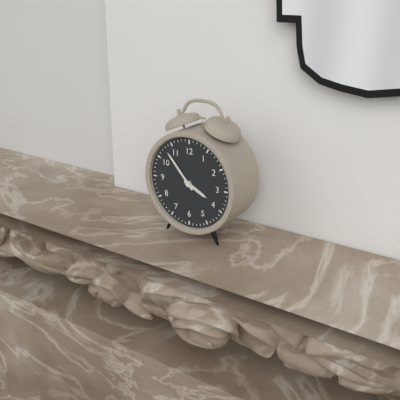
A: 3:53
